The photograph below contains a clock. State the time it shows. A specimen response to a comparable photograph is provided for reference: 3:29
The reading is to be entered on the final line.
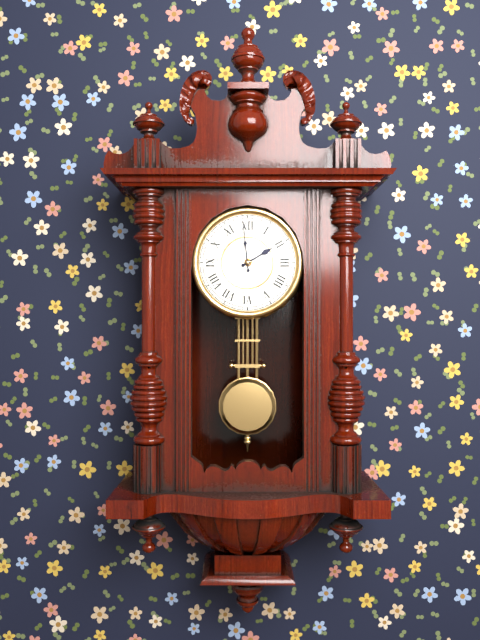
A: 1:59
